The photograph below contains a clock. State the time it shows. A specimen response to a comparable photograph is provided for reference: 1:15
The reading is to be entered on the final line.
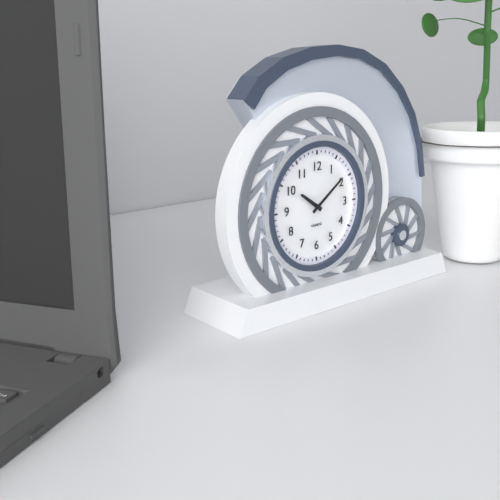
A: 10:09
